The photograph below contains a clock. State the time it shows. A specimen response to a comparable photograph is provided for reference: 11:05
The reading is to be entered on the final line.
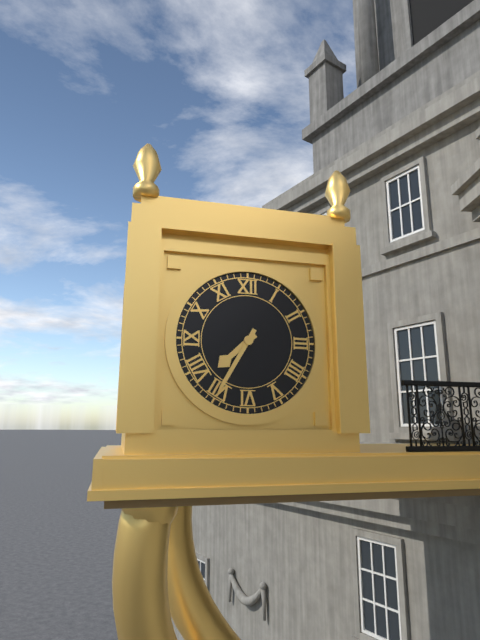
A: 7:35
